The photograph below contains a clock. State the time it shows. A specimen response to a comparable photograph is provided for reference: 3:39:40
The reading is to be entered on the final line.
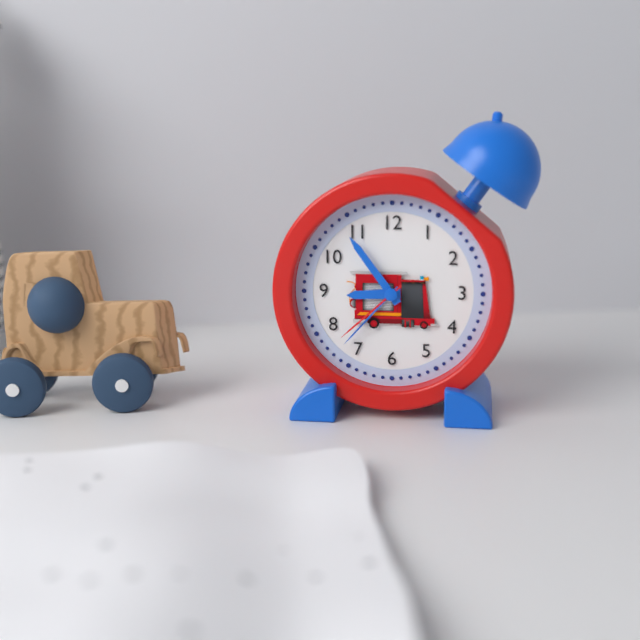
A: 8:54:38
